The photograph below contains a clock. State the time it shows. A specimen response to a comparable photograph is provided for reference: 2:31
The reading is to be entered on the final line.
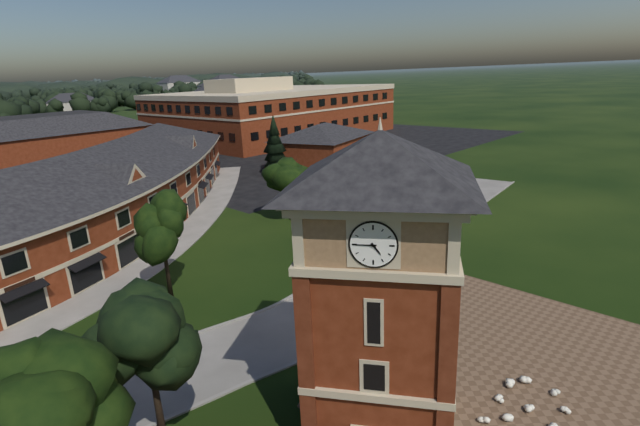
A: 4:45
